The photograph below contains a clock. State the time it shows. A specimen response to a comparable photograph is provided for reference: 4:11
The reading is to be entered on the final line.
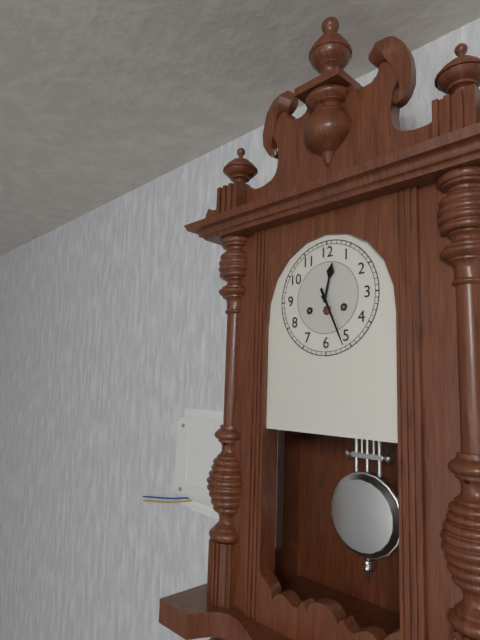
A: 12:26
